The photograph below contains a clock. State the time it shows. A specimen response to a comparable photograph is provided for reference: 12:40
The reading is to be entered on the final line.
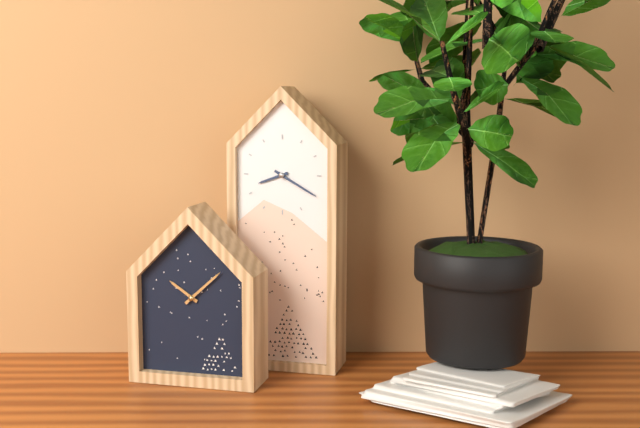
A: 8:20
